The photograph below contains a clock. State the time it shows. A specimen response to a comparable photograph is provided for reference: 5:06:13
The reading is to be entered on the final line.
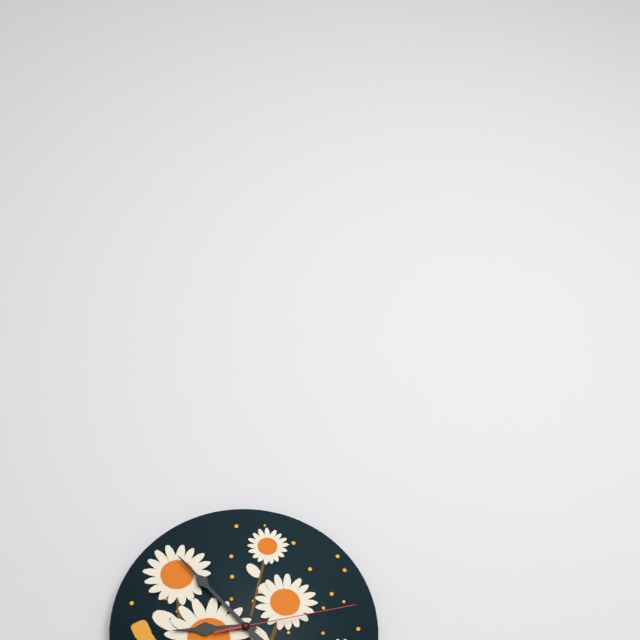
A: 8:53:13
